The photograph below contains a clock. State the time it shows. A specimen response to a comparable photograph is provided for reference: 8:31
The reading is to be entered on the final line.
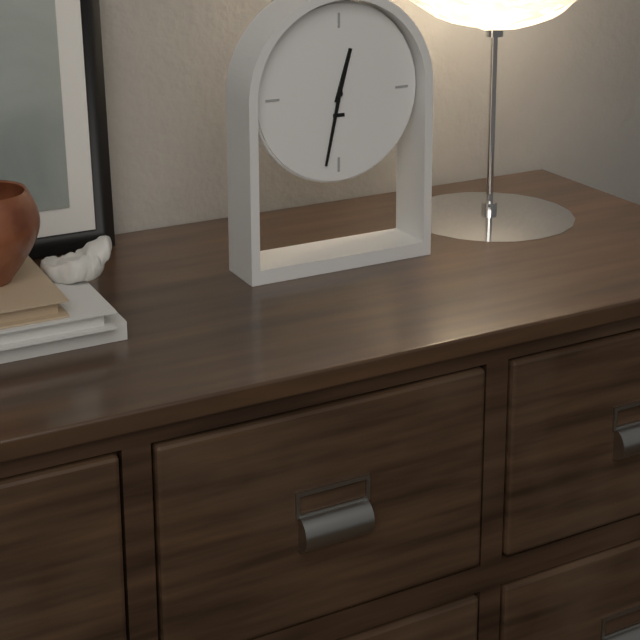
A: 12:32
